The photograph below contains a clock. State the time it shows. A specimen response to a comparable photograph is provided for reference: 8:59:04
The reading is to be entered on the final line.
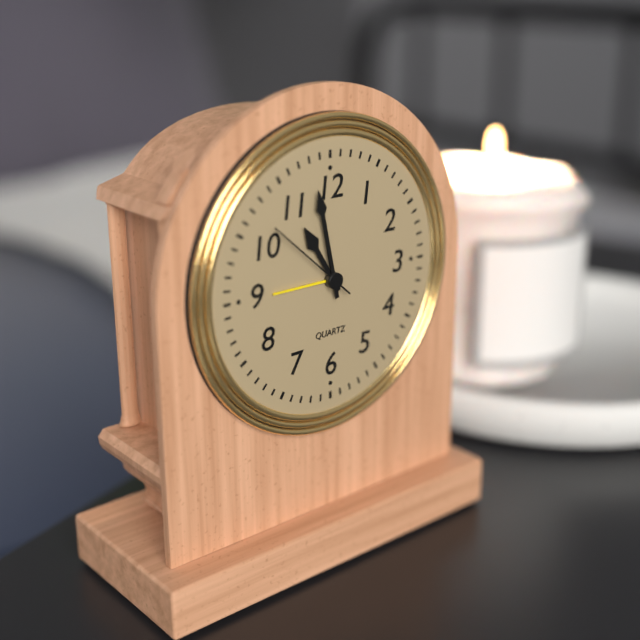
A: 10:58:52
